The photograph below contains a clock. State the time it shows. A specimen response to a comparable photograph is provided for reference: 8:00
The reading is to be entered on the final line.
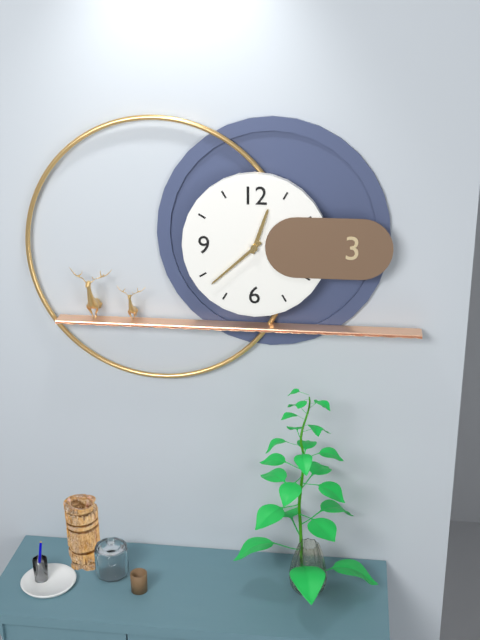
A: 12:38
